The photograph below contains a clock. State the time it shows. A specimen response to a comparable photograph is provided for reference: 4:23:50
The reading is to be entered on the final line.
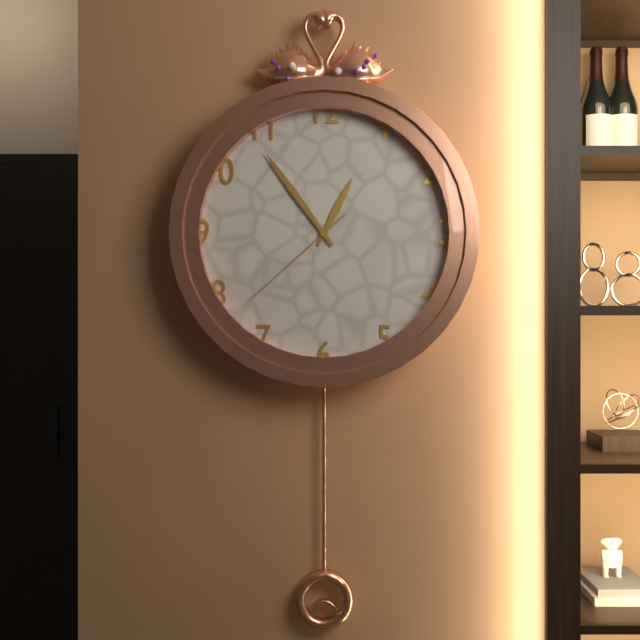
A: 12:54:38
